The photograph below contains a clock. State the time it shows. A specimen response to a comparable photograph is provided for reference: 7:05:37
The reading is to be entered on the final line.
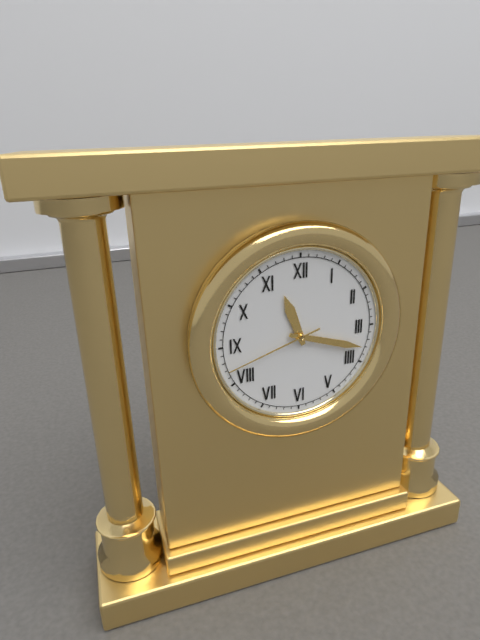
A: 11:18:42
